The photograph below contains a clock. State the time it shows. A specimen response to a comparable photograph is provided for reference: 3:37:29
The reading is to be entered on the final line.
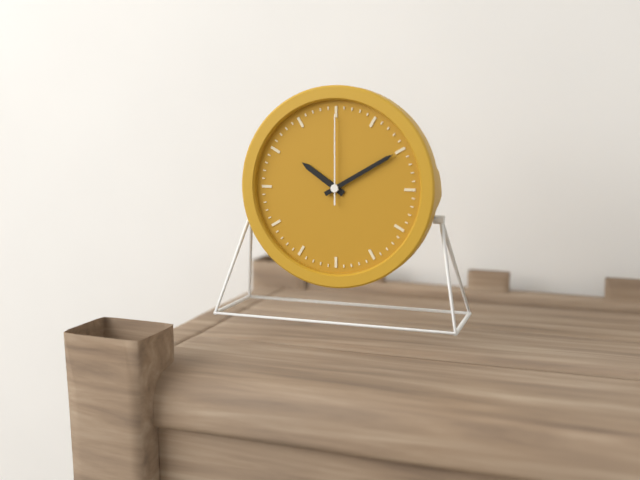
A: 10:10:00
